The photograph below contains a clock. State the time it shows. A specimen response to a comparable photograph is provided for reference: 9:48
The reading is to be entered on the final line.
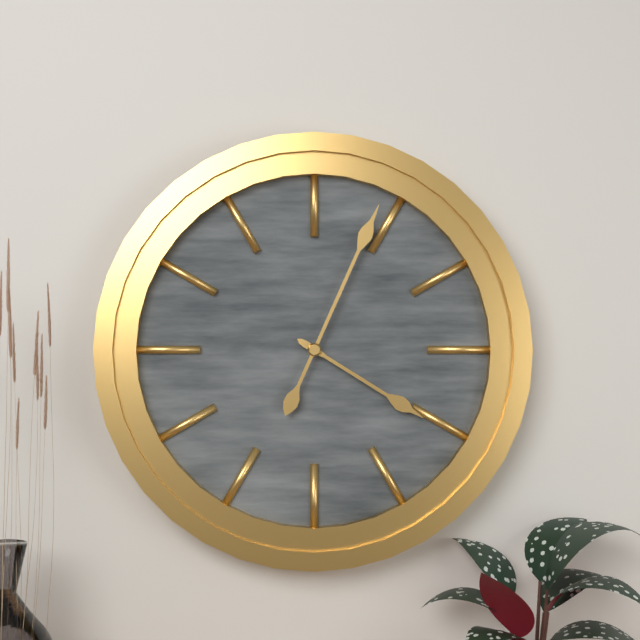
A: 4:04
